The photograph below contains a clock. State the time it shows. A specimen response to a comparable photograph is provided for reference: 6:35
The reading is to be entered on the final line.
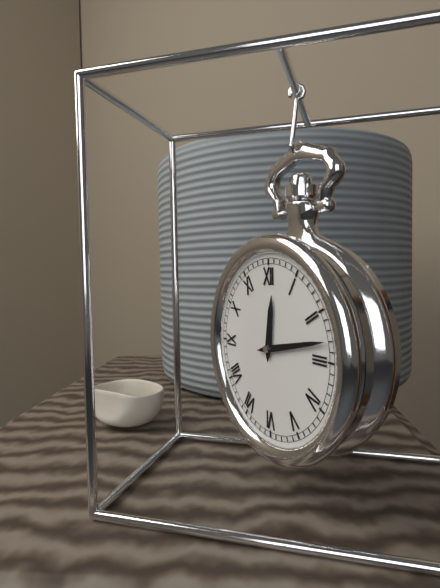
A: 12:13
